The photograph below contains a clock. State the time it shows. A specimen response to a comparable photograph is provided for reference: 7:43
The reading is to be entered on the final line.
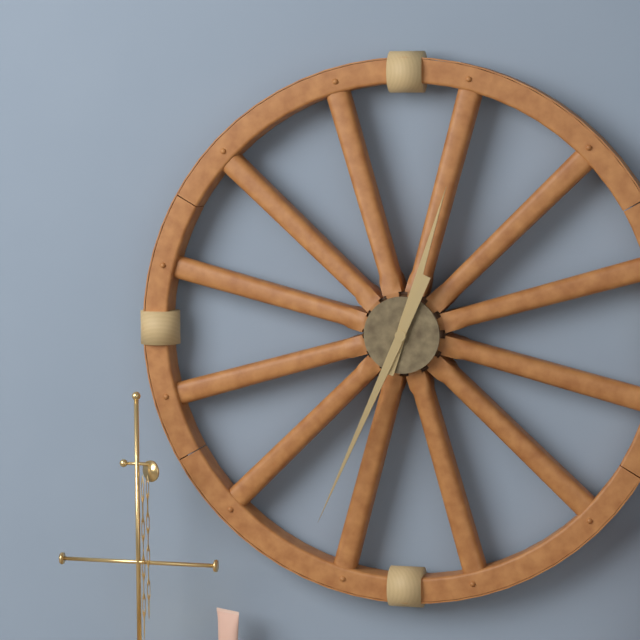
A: 12:34
